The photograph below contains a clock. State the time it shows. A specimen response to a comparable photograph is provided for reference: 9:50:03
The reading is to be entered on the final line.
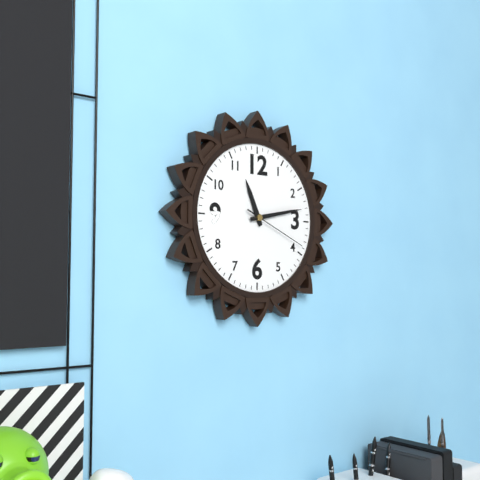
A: 11:13:19
